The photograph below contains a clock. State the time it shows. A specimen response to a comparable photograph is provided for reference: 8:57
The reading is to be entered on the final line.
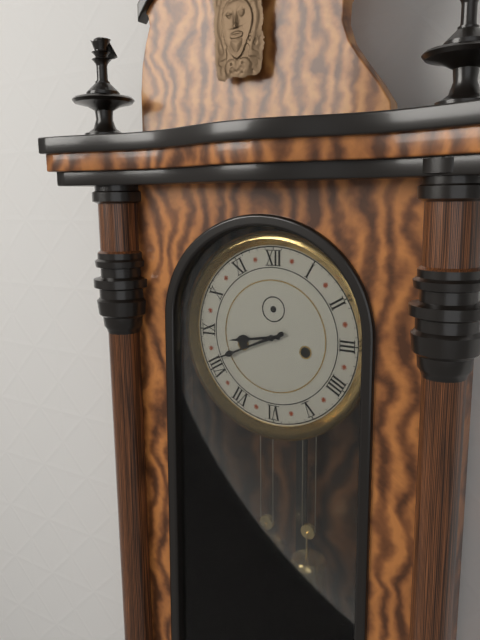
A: 8:41
